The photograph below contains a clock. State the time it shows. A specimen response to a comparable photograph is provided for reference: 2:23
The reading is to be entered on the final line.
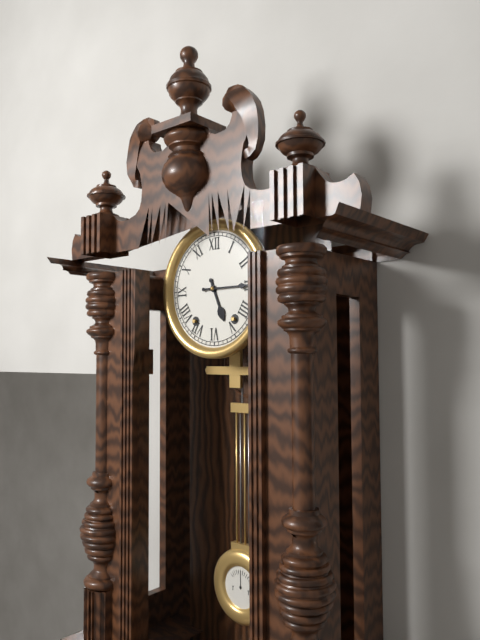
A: 5:15
